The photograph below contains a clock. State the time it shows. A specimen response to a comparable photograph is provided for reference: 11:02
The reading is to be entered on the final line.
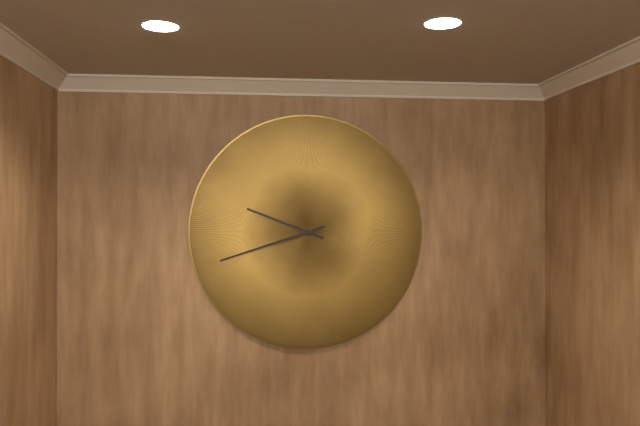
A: 9:42
